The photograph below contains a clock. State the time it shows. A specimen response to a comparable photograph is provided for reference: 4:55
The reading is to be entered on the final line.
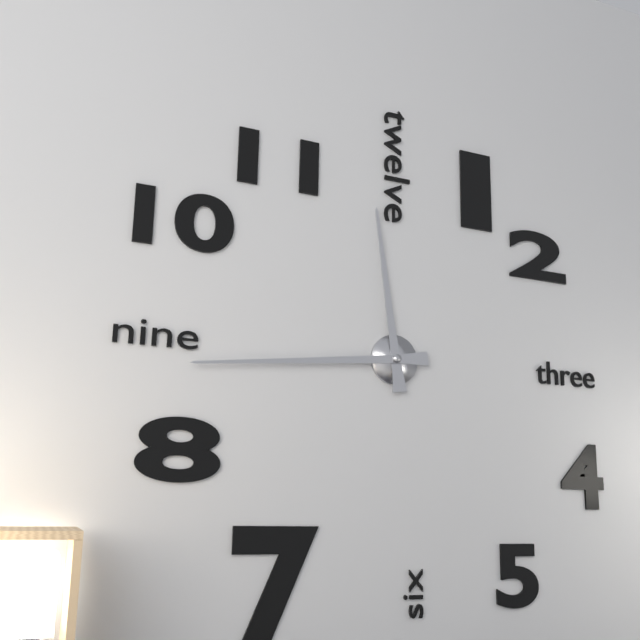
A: 11:44
